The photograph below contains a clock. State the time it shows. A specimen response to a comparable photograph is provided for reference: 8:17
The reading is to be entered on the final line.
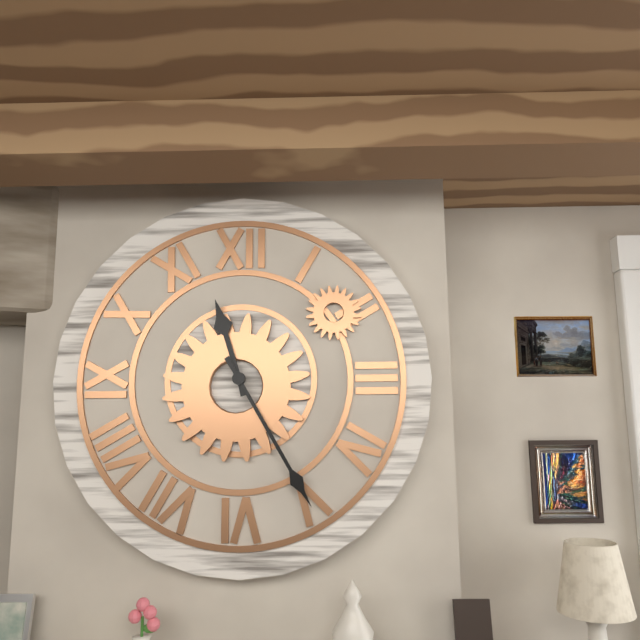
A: 11:25
